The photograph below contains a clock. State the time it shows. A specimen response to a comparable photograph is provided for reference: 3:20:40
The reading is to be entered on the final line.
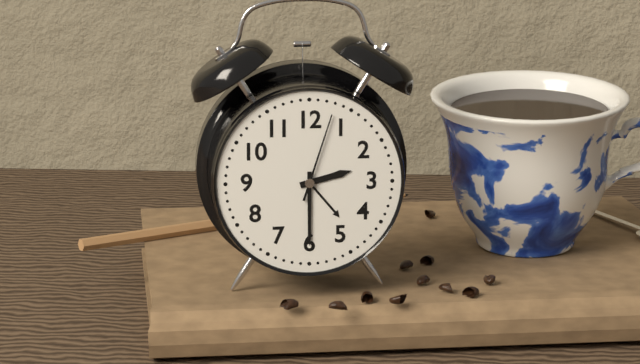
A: 2:30:03
